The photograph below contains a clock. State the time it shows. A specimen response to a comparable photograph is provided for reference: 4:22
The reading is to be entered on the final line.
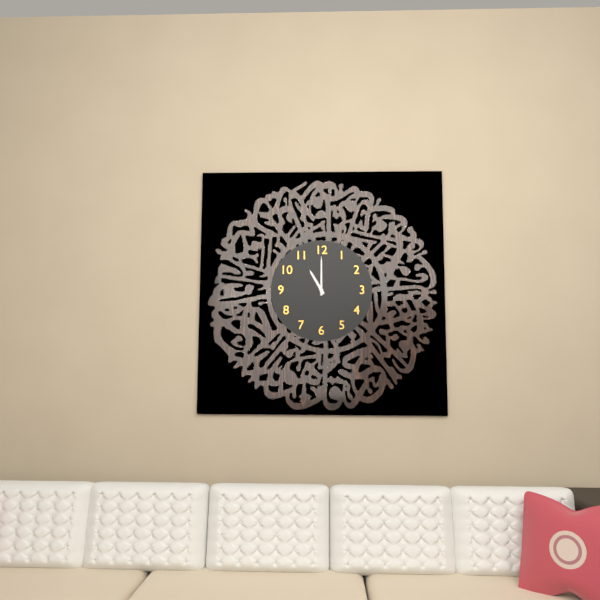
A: 11:00
